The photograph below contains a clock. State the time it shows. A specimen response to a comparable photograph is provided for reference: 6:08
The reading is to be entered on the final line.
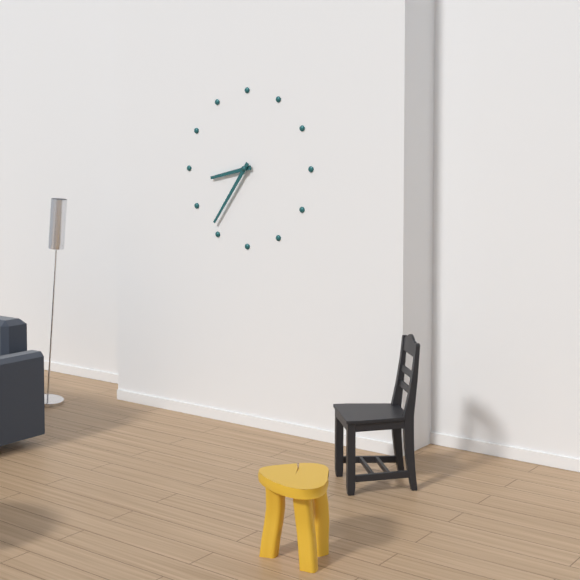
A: 8:36
